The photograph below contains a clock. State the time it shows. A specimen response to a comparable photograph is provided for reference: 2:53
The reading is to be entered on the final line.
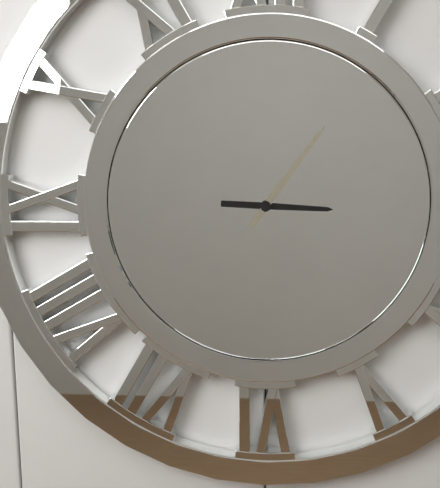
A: 3:06
